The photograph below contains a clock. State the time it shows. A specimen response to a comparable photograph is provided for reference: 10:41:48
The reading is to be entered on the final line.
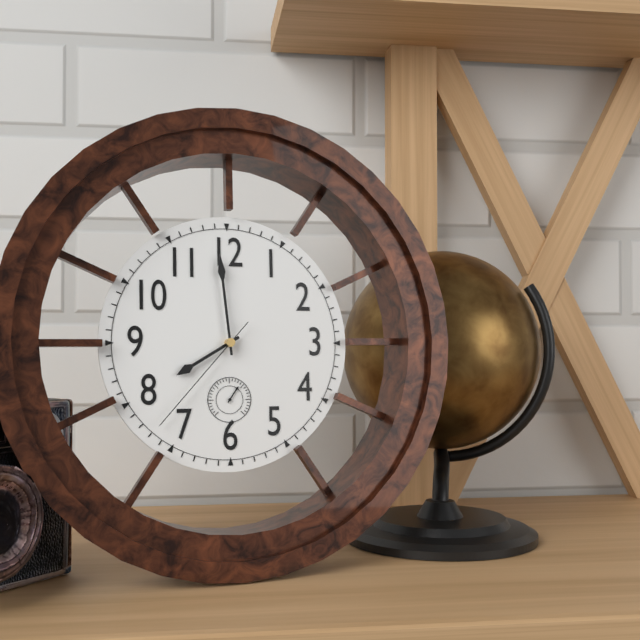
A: 7:59:37
